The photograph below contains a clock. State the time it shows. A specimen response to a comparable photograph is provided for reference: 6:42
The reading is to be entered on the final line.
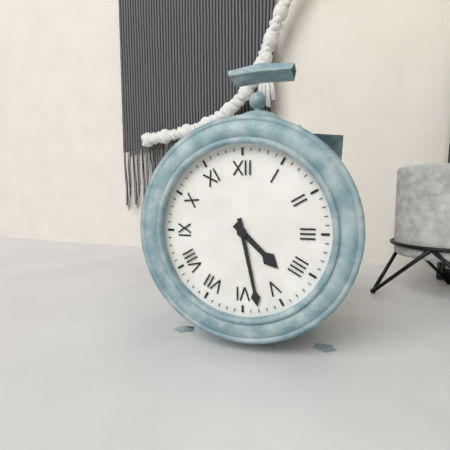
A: 4:28
